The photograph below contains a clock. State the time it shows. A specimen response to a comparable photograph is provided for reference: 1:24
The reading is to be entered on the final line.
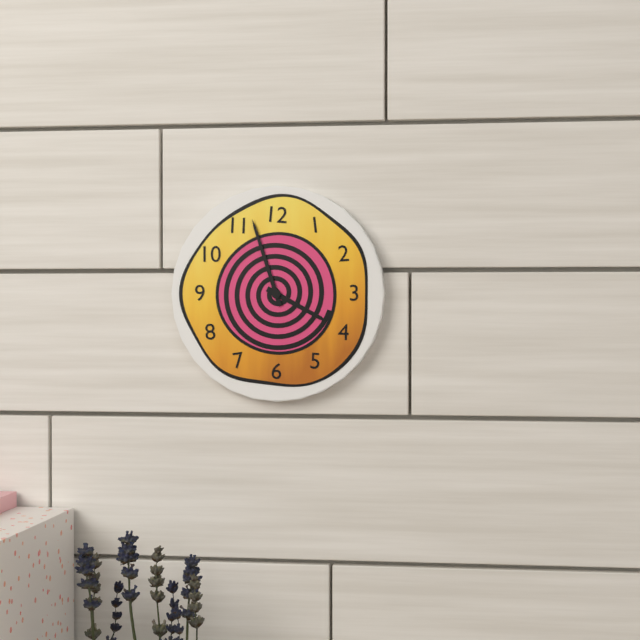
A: 3:57
